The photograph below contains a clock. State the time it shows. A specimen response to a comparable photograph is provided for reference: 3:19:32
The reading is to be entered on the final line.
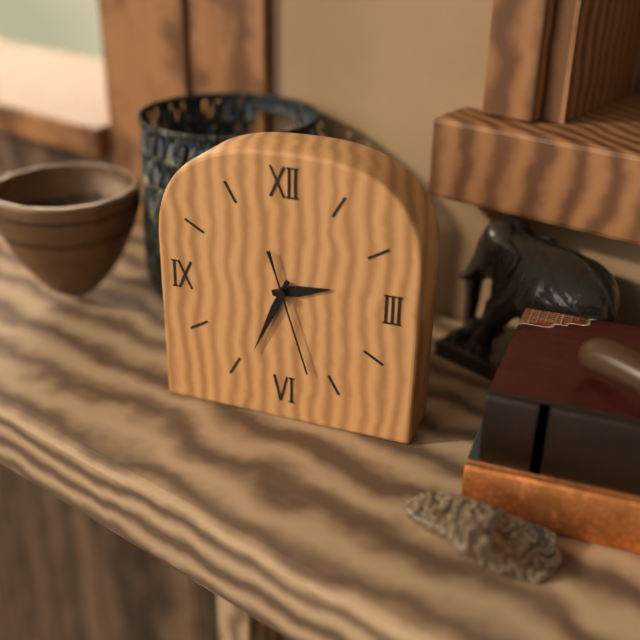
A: 2:34:27
